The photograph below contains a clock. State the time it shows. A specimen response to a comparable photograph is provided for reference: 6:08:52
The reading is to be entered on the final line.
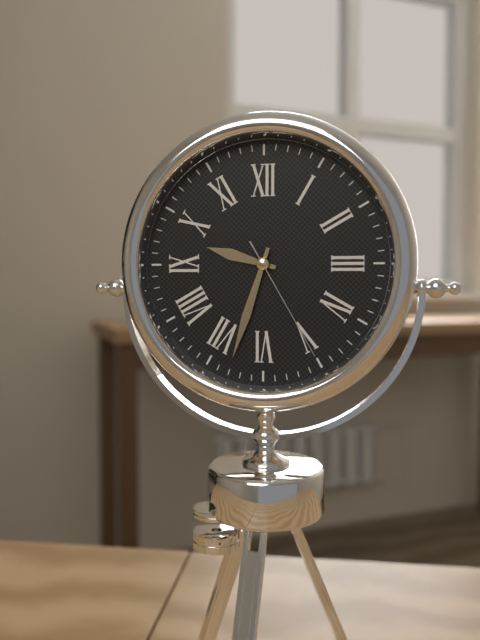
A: 9:33:25
